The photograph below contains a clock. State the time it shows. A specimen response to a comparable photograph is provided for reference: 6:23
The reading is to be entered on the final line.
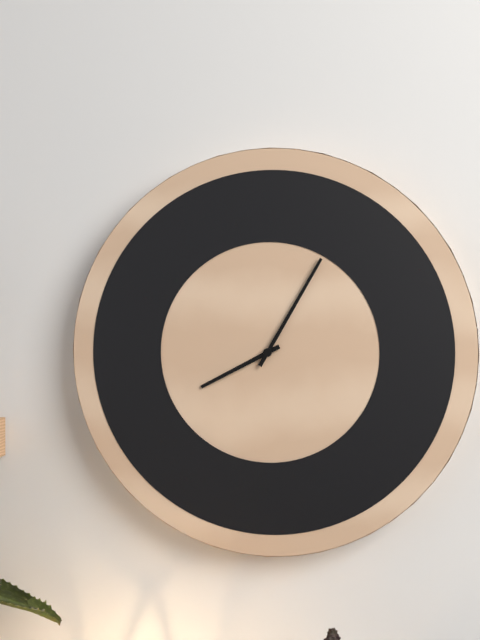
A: 8:05
